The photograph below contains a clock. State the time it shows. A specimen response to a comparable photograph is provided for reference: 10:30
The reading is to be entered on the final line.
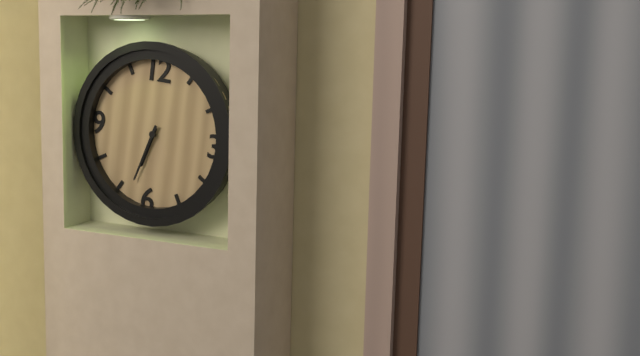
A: 6:33
